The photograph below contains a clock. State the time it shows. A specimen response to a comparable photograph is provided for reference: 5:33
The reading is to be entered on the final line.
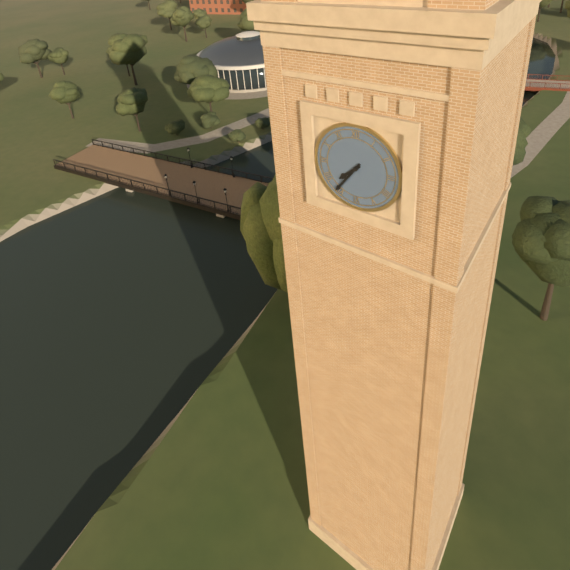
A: 7:36
